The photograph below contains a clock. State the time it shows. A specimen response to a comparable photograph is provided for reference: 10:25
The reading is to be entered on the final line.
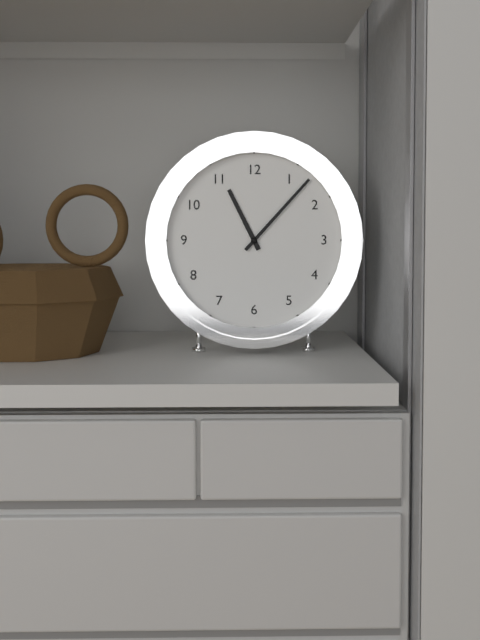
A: 11:07
